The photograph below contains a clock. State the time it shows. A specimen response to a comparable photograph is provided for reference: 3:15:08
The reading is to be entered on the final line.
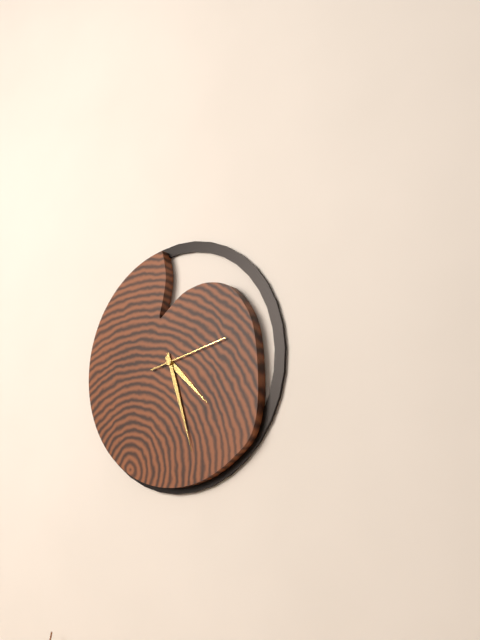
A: 4:27:13
